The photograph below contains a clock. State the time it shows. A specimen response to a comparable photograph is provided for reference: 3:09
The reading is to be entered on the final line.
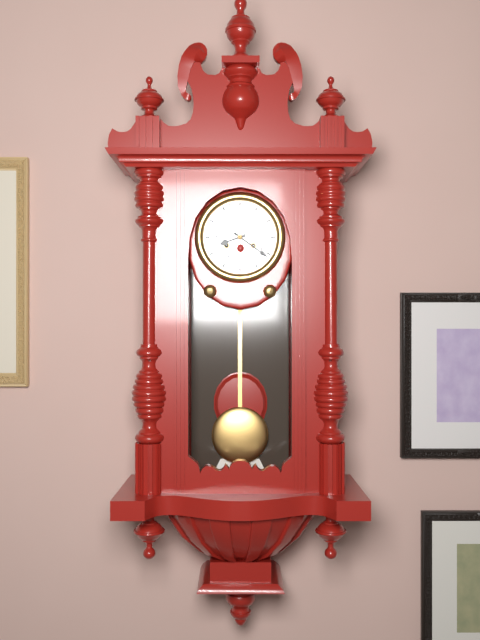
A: 8:21
